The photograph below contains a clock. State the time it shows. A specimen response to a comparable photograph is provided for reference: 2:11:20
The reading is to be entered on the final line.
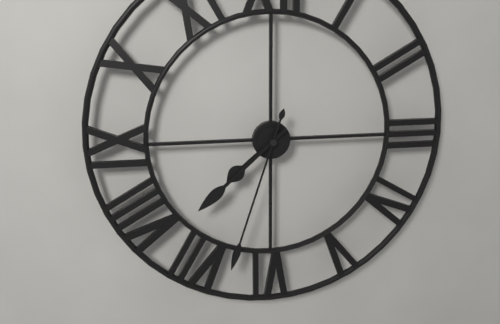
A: 7:38:33
